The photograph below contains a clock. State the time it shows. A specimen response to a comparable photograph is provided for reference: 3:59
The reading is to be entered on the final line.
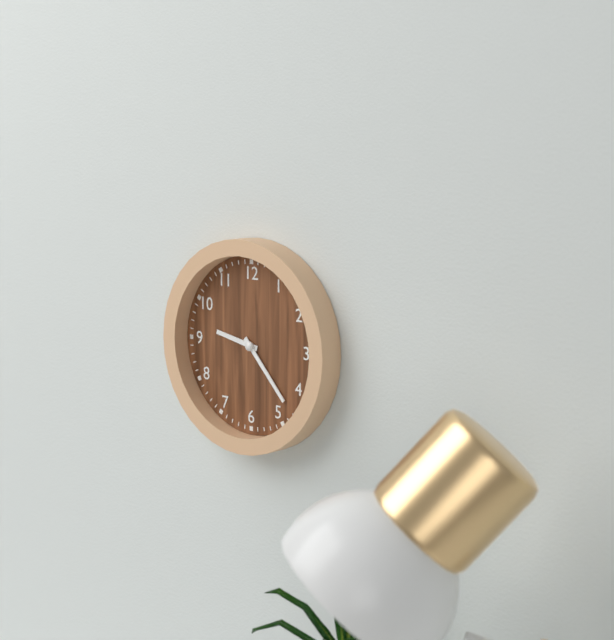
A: 9:23
